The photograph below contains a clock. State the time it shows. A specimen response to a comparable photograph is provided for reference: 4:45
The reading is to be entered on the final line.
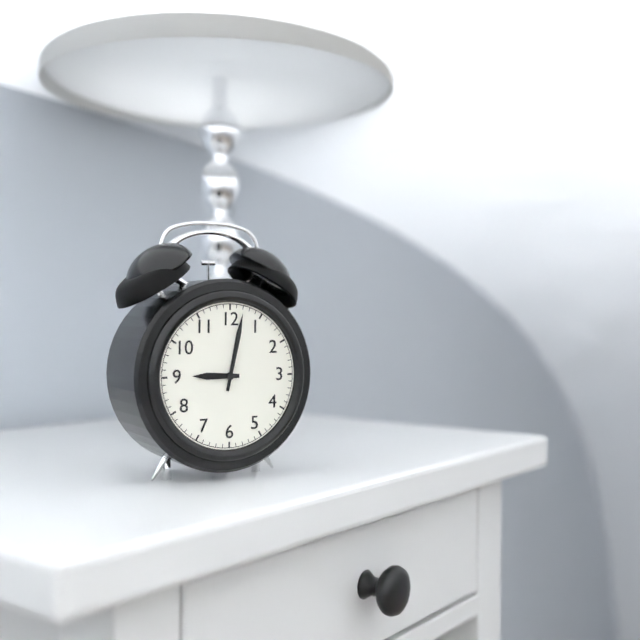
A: 9:02
